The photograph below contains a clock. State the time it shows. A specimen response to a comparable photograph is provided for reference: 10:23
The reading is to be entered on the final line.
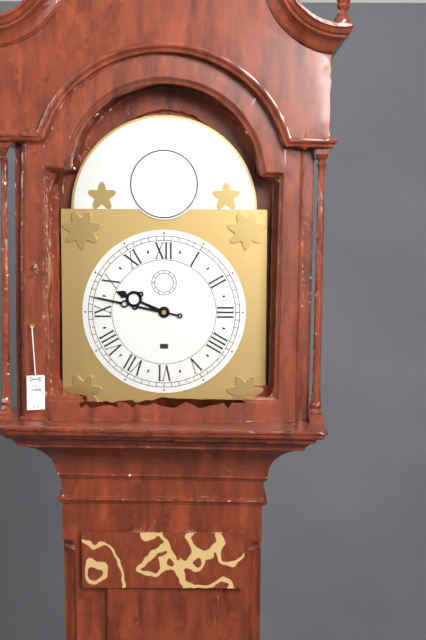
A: 9:47
